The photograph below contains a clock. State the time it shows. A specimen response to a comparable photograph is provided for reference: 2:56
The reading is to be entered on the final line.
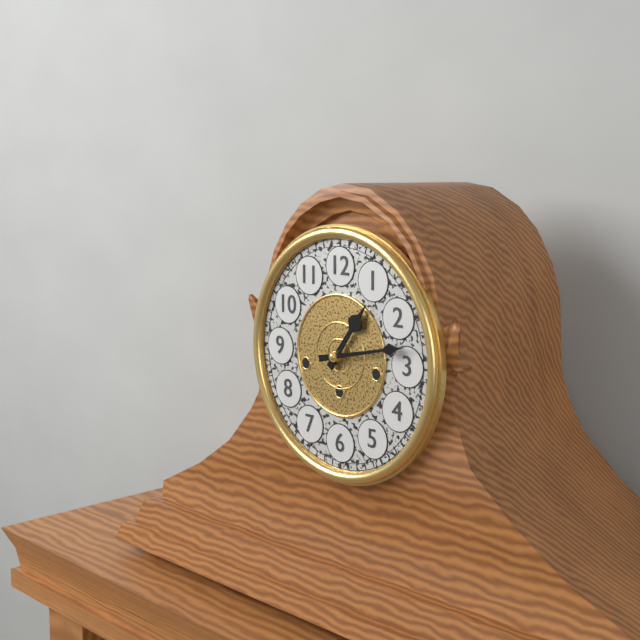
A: 1:13
